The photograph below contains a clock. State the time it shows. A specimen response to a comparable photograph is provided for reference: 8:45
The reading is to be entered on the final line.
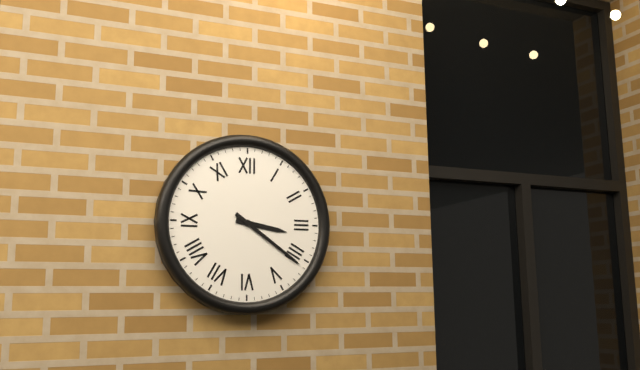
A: 3:21
